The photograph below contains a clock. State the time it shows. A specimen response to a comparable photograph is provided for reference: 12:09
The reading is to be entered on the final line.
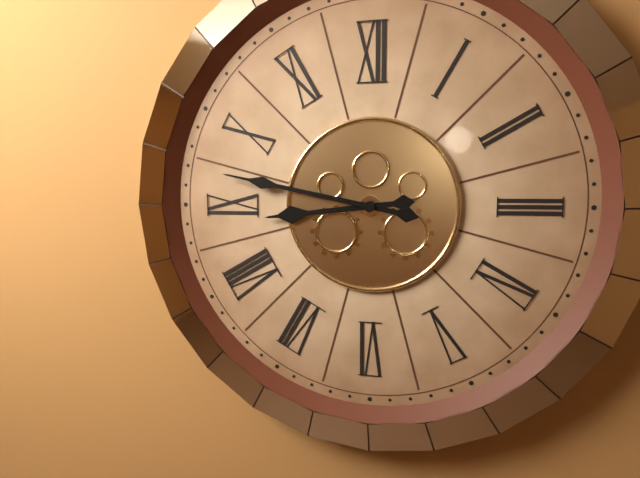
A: 8:47
